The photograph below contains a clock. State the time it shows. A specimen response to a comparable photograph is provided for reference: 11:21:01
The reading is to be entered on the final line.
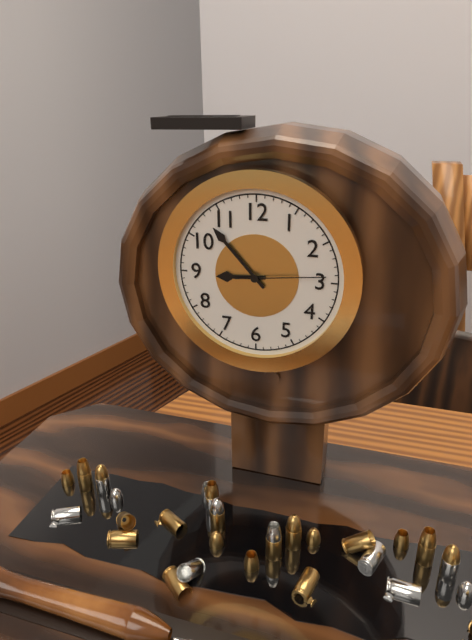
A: 8:53:14
